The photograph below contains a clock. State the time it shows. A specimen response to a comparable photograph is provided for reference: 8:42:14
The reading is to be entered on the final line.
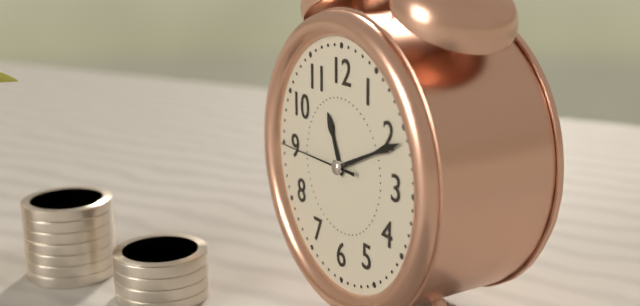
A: 11:11:45
